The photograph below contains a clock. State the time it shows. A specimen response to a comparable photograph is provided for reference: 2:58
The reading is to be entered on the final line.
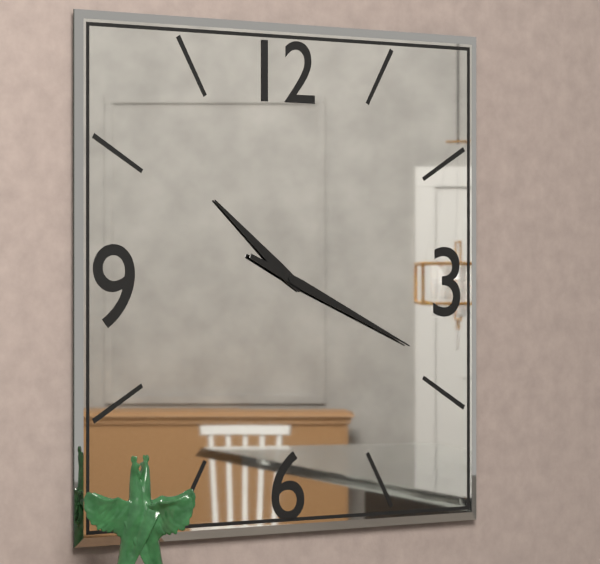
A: 10:19
